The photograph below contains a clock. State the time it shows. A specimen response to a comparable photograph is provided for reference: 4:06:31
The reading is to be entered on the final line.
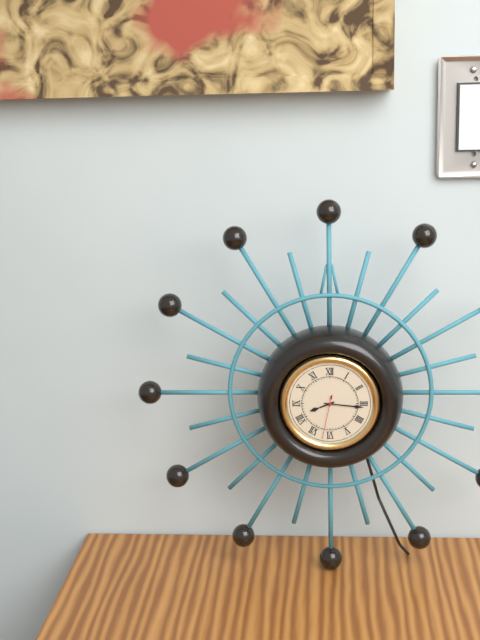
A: 8:16:32
